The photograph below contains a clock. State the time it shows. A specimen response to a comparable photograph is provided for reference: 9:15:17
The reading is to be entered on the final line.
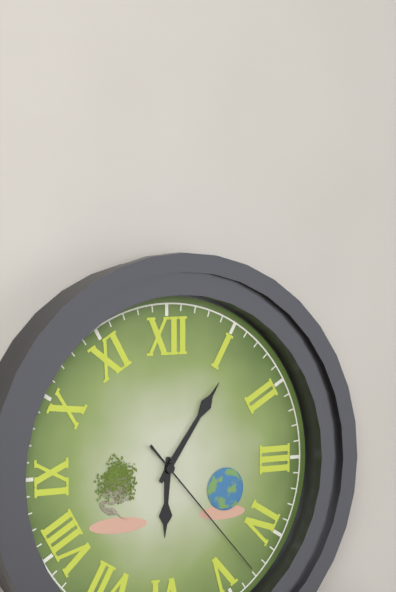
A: 6:06:23
